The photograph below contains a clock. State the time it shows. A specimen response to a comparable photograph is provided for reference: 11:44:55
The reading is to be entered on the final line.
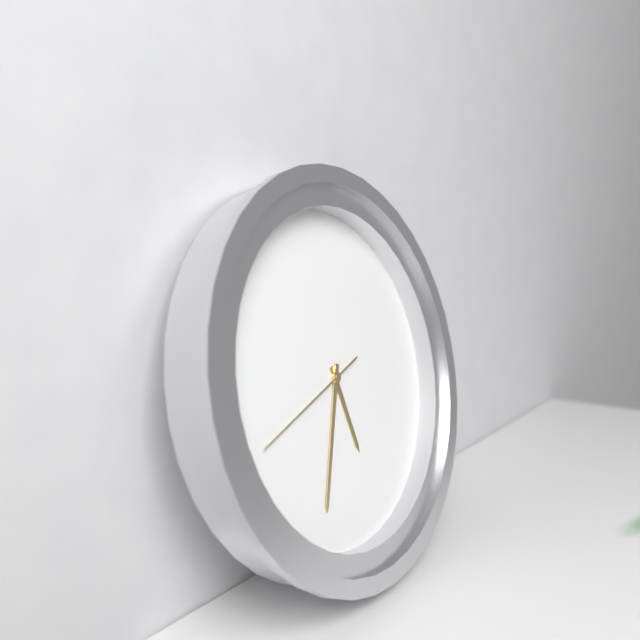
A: 5:34:42
